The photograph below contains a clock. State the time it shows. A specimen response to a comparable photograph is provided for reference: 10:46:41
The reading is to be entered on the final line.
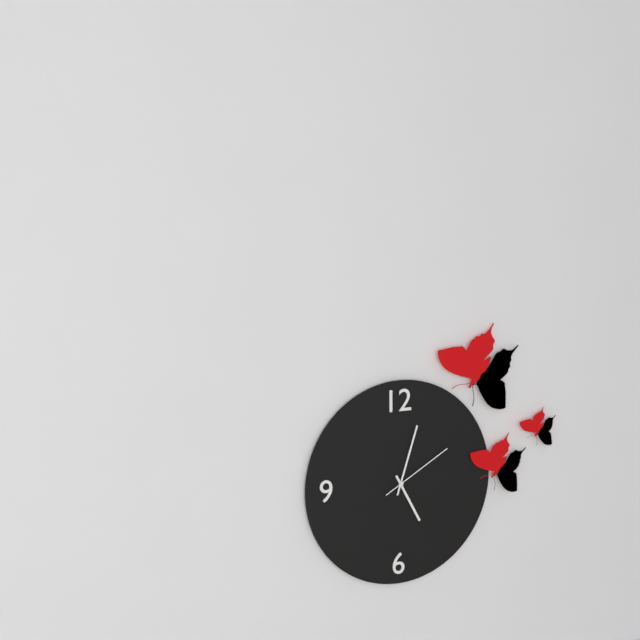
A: 5:03:10
